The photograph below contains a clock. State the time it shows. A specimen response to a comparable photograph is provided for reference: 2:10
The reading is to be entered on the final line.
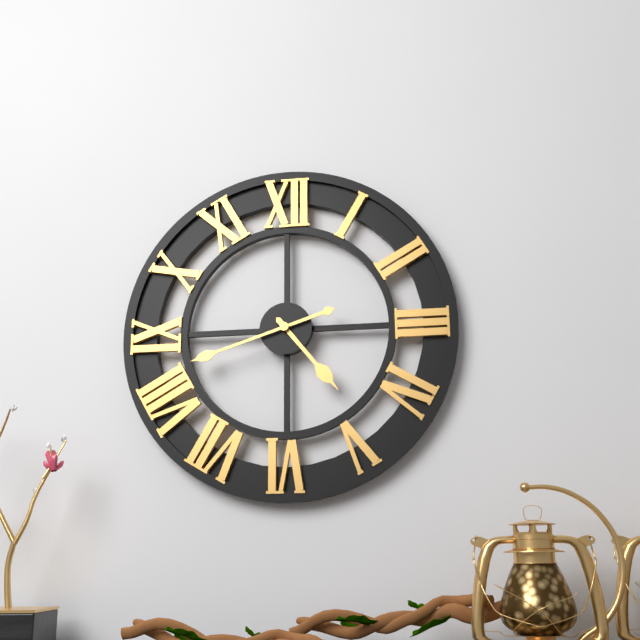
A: 4:42
